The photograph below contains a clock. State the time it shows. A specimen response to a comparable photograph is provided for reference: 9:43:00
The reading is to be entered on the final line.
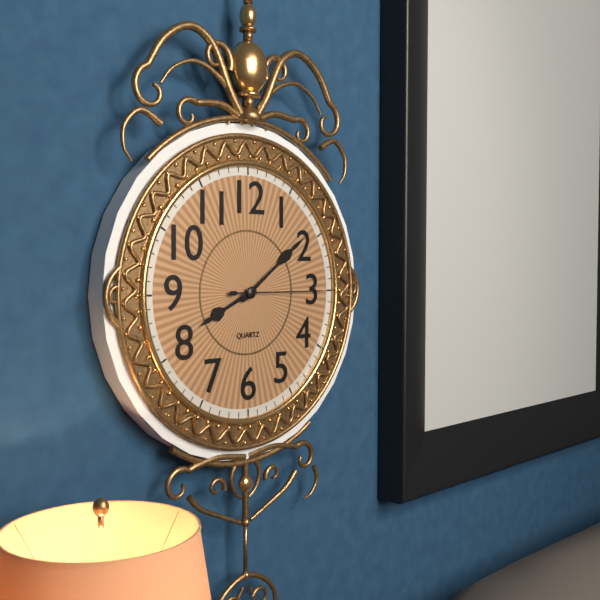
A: 8:09:15
